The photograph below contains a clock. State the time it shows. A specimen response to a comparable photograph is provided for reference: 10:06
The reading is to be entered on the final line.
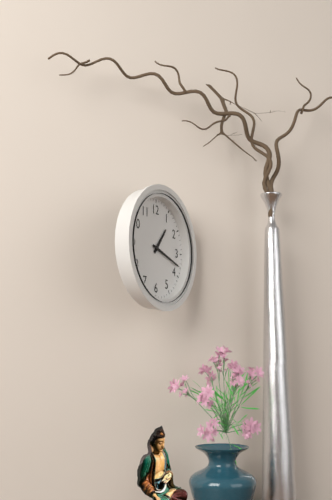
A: 1:18
